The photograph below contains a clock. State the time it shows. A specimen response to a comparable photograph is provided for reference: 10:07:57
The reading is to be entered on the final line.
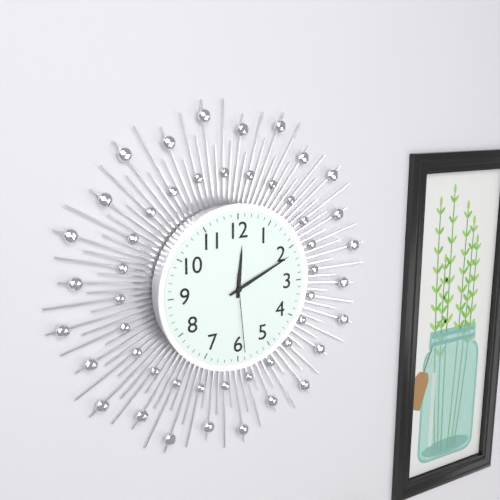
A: 12:11:29
